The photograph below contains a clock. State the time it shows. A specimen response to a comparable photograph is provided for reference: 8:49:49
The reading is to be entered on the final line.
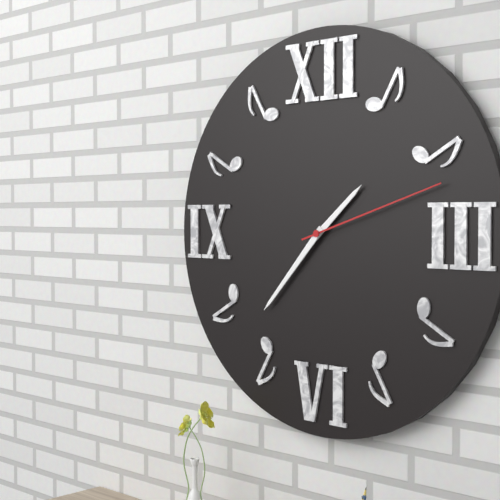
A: 1:37:12
